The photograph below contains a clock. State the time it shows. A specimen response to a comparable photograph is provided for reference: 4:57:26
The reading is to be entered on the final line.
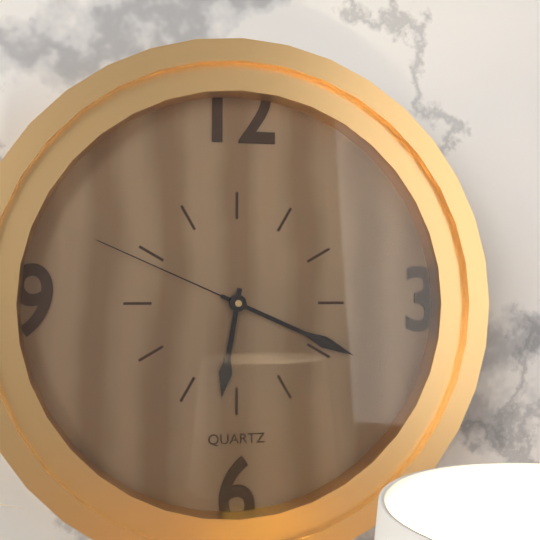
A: 6:19:49
